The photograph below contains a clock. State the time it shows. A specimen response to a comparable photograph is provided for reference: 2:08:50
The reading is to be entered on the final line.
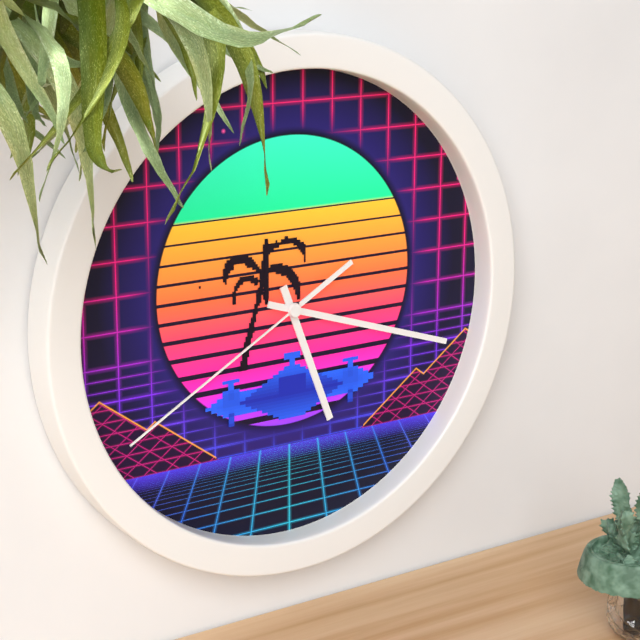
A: 5:18:40
